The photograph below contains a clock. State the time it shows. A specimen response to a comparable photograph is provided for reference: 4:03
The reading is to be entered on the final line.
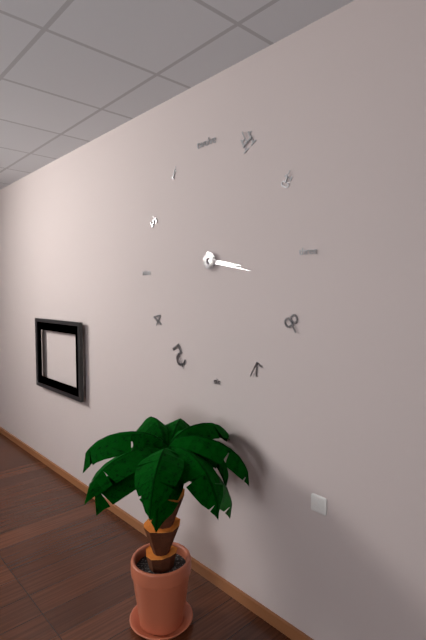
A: 3:17
